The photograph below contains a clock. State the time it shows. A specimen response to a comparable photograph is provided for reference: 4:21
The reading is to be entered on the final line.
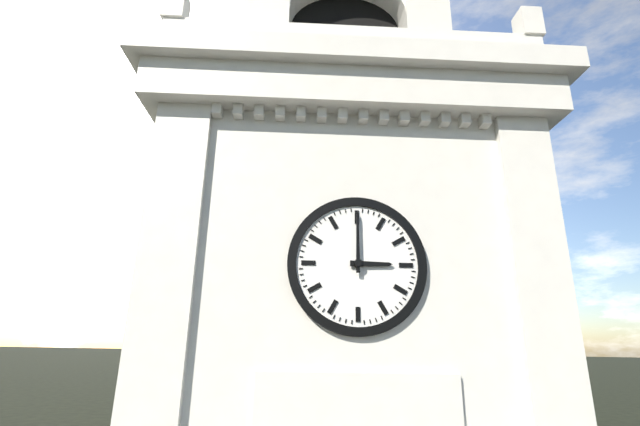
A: 3:00
